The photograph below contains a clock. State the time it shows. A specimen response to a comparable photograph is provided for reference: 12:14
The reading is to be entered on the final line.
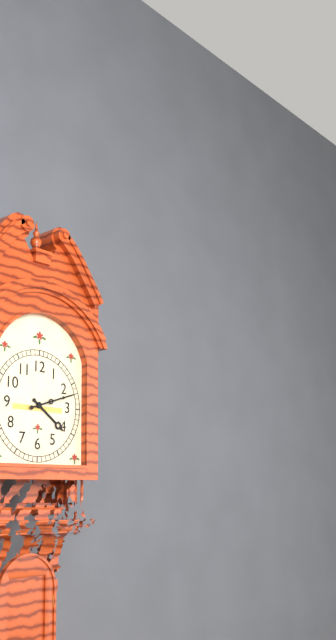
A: 4:12
